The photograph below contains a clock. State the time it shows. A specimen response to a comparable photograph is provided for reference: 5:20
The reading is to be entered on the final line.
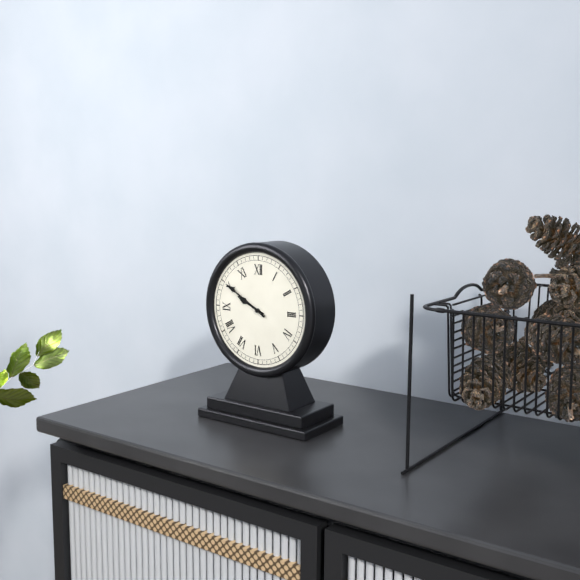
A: 9:50
